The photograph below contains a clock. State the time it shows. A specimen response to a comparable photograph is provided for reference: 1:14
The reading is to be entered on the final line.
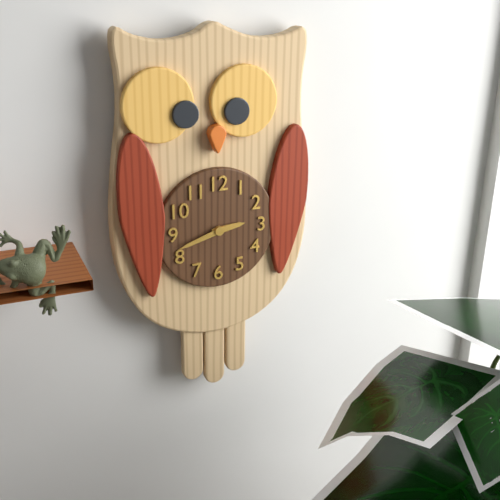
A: 2:42
